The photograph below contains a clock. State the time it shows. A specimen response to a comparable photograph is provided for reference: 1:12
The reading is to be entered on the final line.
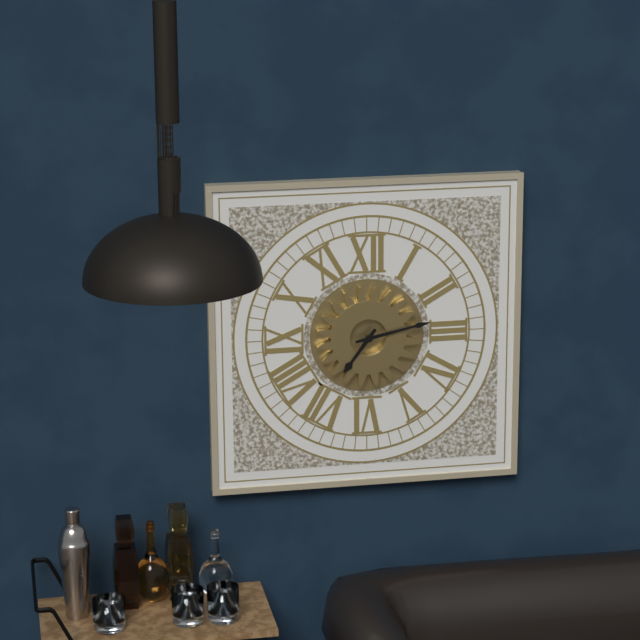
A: 7:13
